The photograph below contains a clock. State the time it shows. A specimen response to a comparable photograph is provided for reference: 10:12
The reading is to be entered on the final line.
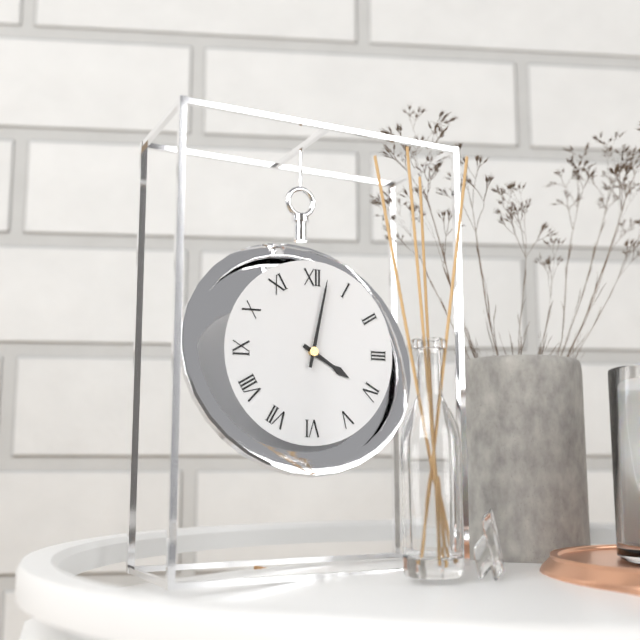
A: 4:02
